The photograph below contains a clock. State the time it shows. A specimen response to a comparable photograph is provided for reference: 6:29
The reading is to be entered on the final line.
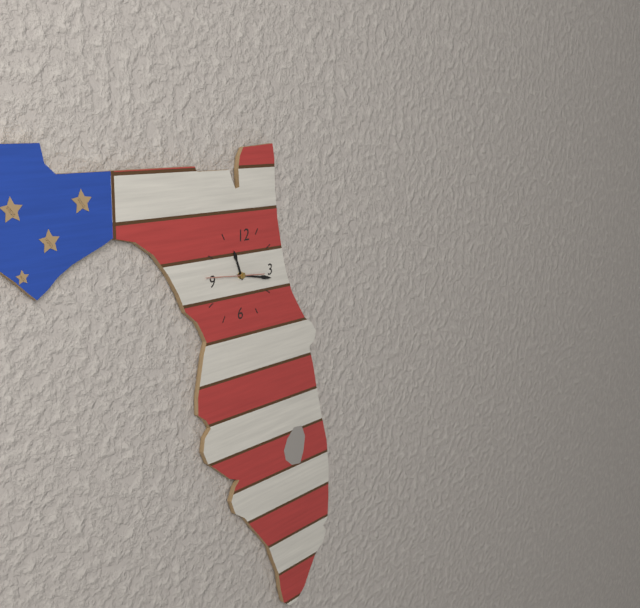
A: 11:17
